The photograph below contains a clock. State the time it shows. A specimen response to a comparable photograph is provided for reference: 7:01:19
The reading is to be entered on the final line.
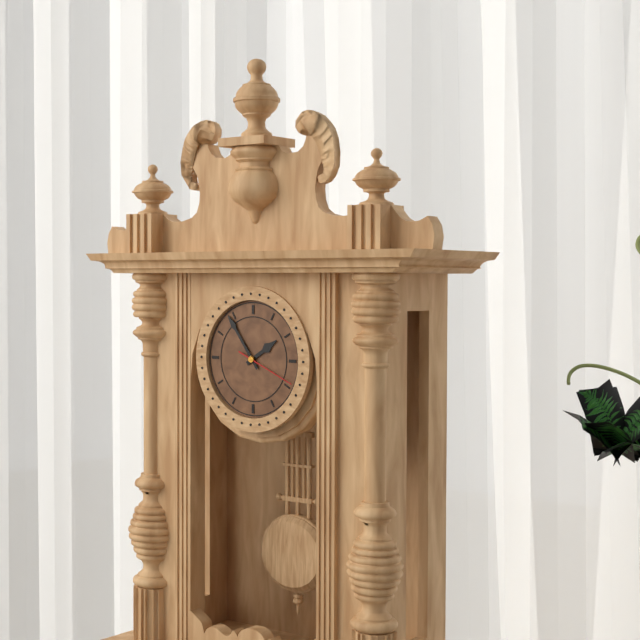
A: 1:54:19
